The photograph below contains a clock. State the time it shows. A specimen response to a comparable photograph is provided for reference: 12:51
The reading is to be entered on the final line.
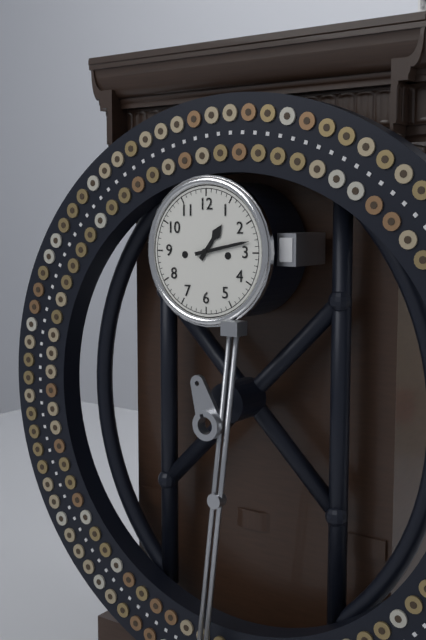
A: 1:13
